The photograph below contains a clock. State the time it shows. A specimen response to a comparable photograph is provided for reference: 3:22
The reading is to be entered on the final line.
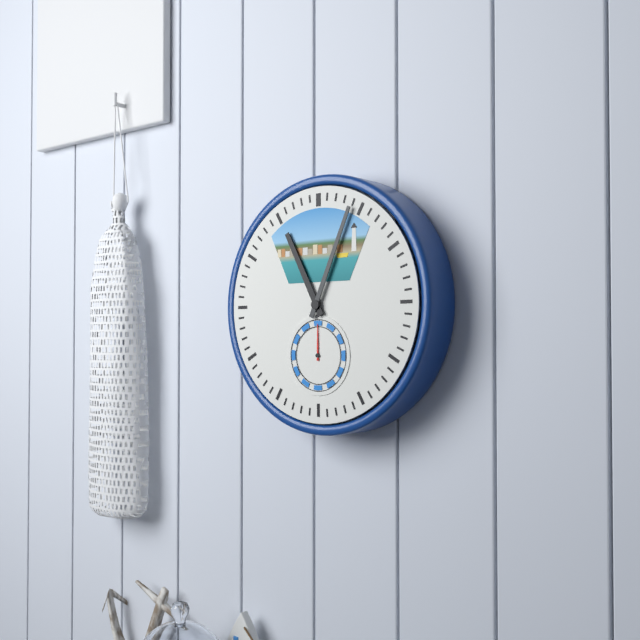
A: 11:04
